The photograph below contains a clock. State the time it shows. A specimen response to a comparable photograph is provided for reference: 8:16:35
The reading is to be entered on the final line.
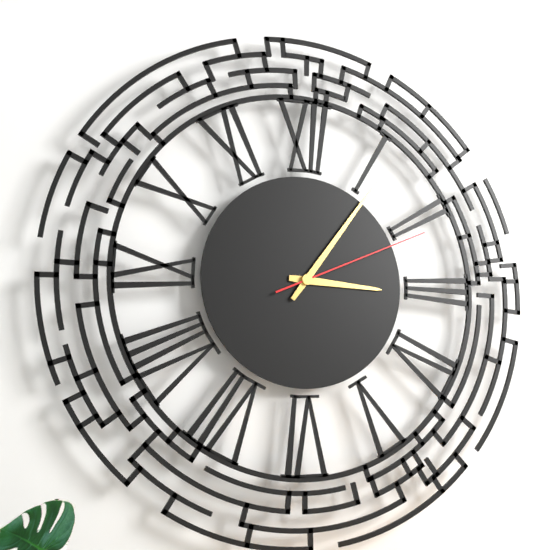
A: 3:06:11
